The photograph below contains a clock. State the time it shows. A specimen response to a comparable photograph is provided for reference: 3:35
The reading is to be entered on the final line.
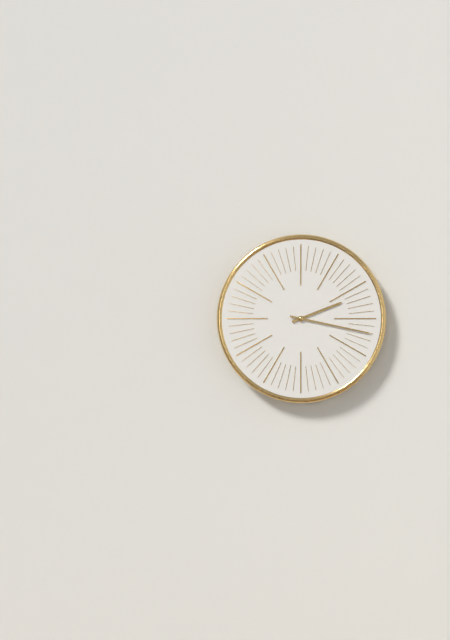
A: 2:17
